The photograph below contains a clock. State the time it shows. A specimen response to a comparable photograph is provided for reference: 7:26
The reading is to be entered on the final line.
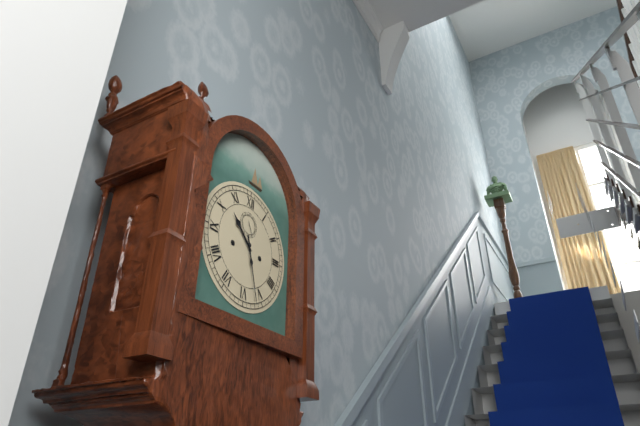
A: 10:27
